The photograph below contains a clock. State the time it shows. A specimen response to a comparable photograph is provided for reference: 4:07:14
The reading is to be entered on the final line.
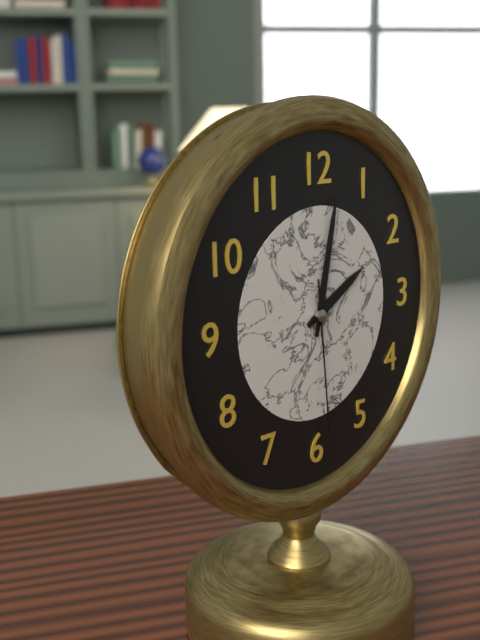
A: 2:02:29
